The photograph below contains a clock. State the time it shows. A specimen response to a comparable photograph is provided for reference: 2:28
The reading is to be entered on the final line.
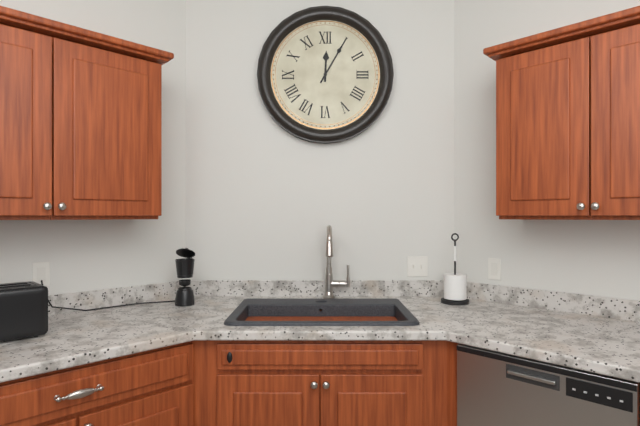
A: 12:05
